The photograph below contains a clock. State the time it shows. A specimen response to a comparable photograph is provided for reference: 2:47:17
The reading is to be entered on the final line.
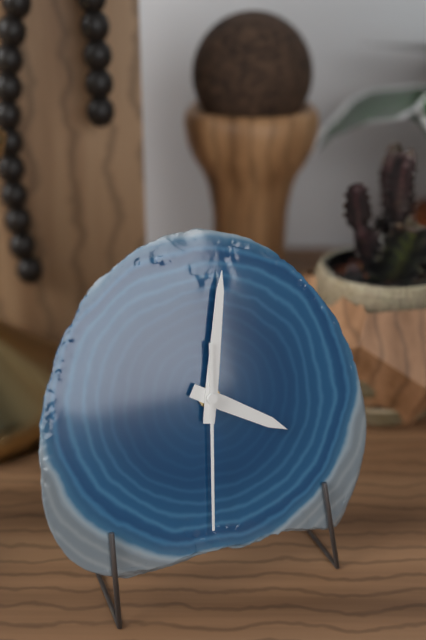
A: 4:02:31
